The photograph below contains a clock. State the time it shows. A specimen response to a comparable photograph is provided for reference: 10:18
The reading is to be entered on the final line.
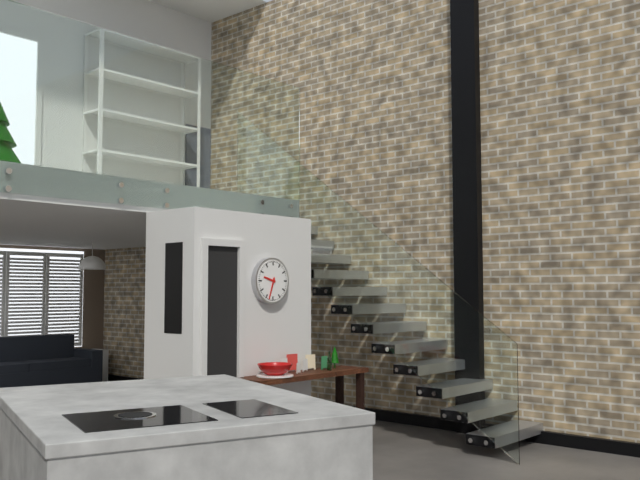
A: 9:33
